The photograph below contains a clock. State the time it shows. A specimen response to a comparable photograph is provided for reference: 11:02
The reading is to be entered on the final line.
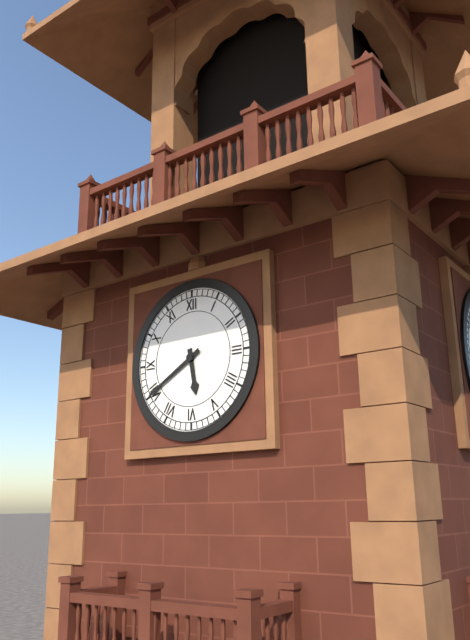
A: 5:40
